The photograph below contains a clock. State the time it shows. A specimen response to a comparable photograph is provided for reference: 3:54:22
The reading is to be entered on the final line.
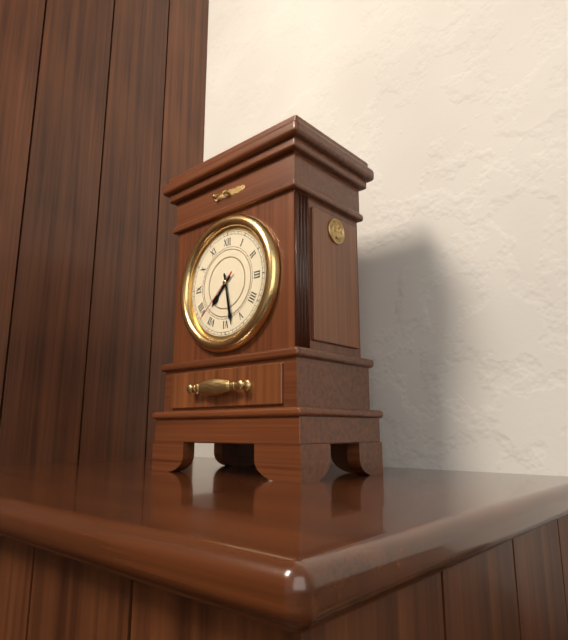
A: 7:28:38
